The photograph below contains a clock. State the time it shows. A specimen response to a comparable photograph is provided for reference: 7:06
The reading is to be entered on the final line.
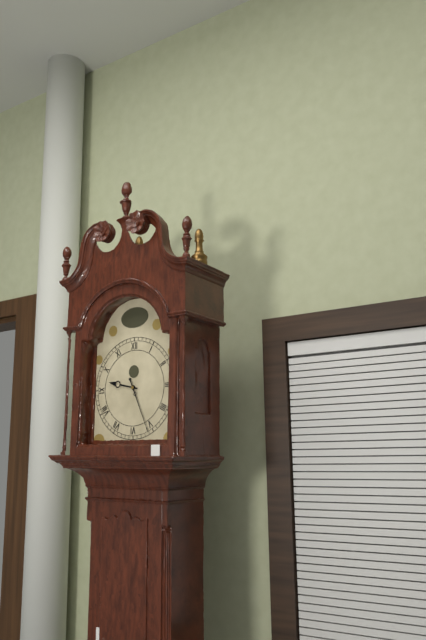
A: 9:26
